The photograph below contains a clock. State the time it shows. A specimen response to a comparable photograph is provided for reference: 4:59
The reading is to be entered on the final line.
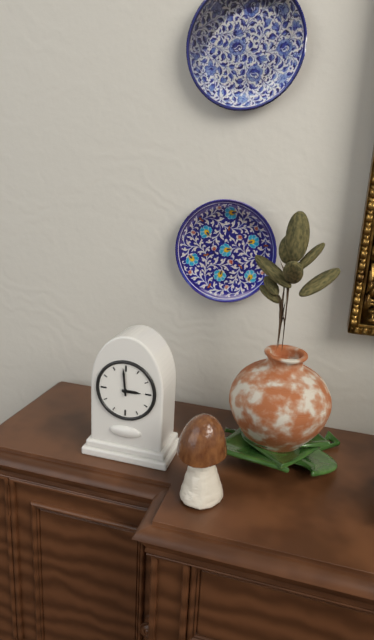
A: 2:59
